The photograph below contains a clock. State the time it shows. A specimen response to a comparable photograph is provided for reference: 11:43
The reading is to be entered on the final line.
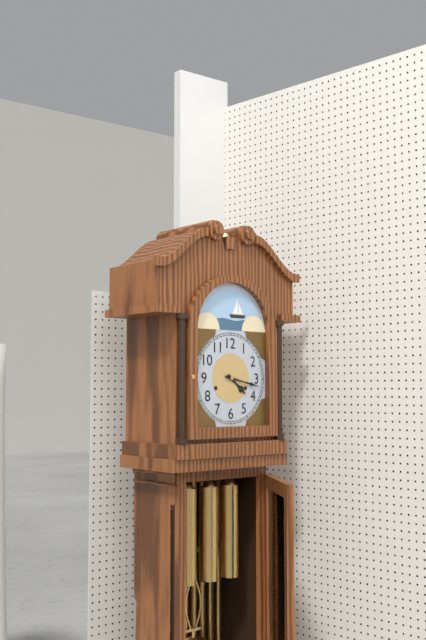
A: 4:17
